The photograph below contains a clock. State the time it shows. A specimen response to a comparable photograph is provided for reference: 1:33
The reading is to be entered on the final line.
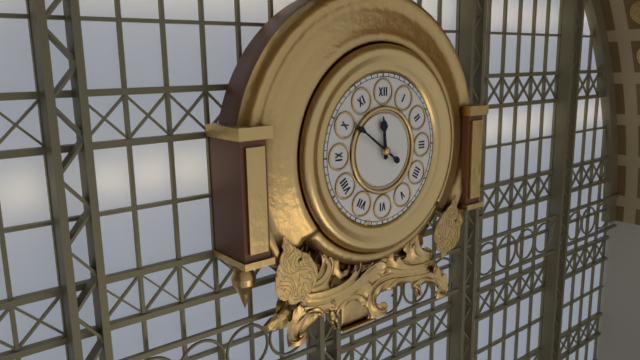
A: 11:51
